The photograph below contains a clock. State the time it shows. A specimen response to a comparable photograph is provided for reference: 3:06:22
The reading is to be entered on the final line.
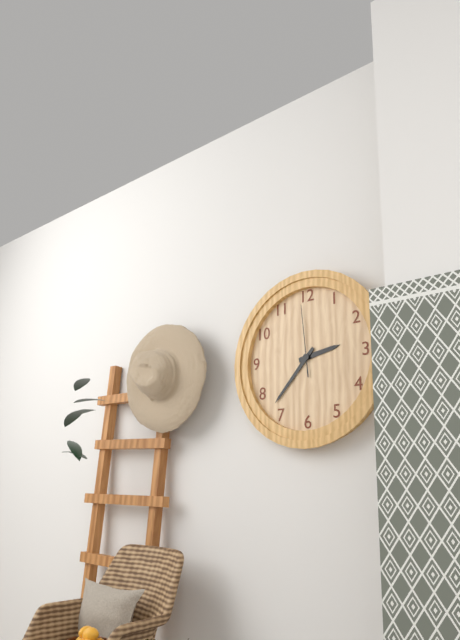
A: 2:37:59
